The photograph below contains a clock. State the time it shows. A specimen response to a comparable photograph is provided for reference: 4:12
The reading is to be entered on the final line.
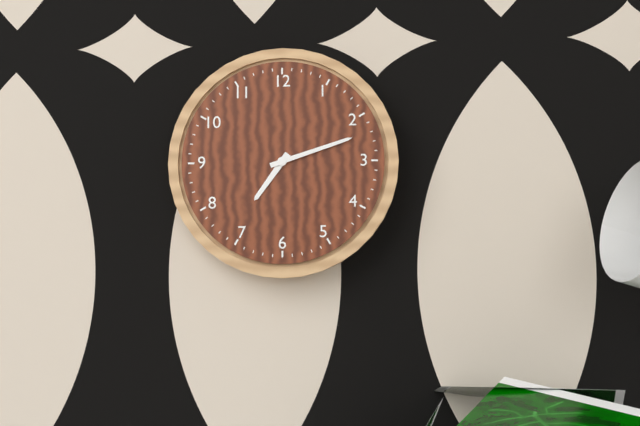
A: 7:12
